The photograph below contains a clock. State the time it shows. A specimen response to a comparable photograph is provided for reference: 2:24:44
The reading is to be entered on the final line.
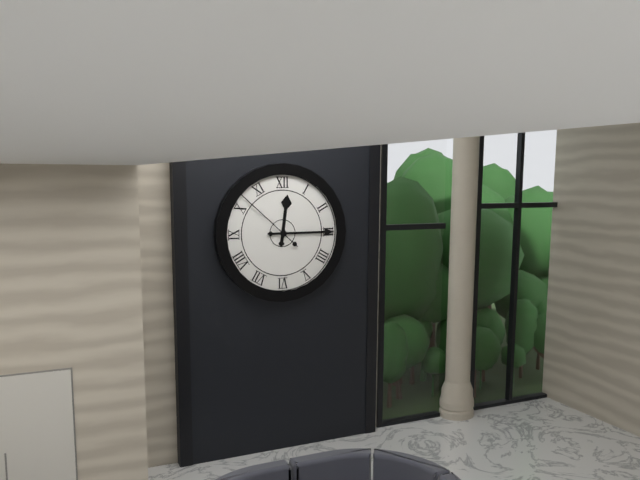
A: 12:15:52
